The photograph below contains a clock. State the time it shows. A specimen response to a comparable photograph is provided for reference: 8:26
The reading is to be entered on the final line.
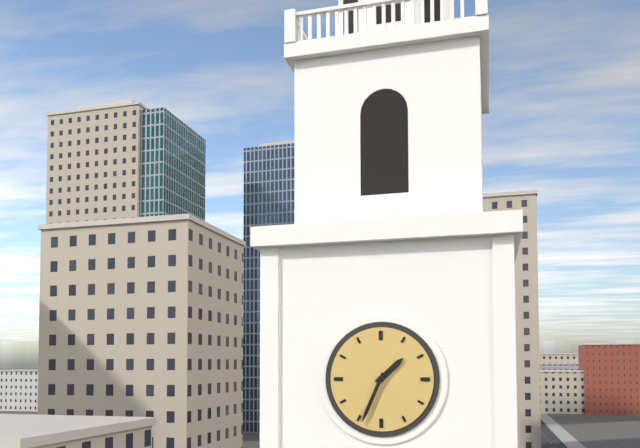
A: 1:34
